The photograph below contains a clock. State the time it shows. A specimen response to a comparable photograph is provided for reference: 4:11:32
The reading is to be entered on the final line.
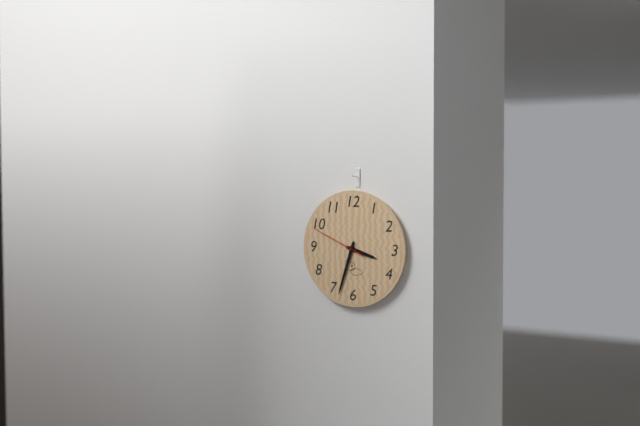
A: 3:33:49
